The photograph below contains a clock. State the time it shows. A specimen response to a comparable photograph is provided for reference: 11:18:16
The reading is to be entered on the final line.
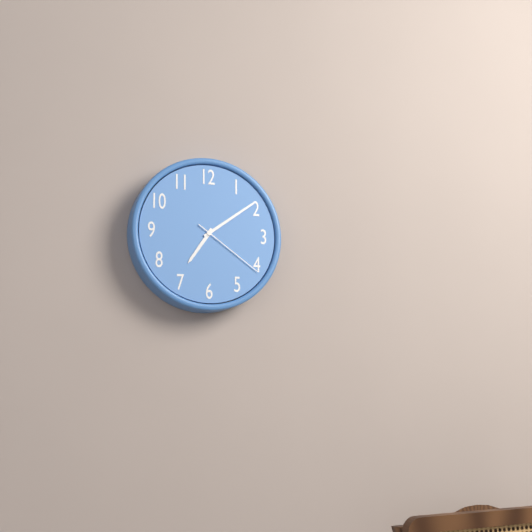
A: 7:09:21
